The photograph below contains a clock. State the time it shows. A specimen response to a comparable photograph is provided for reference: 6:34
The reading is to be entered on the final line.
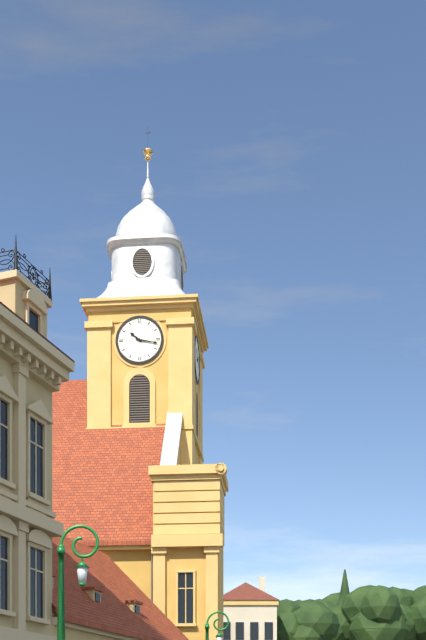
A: 10:17
